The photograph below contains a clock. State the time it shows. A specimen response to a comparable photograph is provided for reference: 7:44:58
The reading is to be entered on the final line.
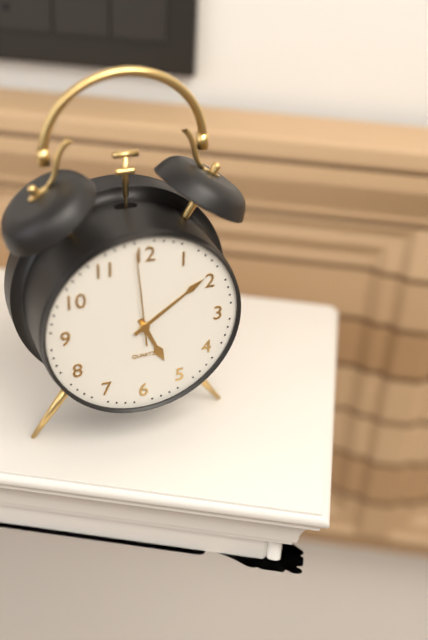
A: 5:09:59
